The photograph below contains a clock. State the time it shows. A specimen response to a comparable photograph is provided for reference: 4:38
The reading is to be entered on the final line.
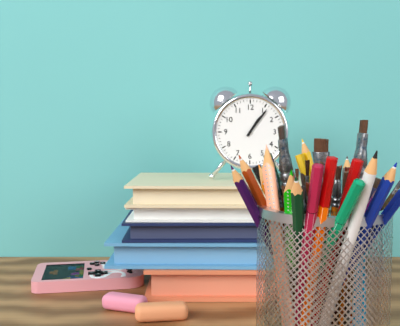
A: 1:06
